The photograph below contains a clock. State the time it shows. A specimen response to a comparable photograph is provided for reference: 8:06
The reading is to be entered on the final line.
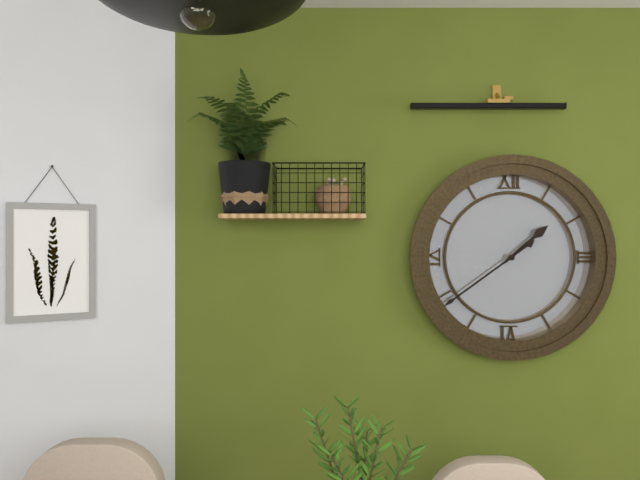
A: 1:39
